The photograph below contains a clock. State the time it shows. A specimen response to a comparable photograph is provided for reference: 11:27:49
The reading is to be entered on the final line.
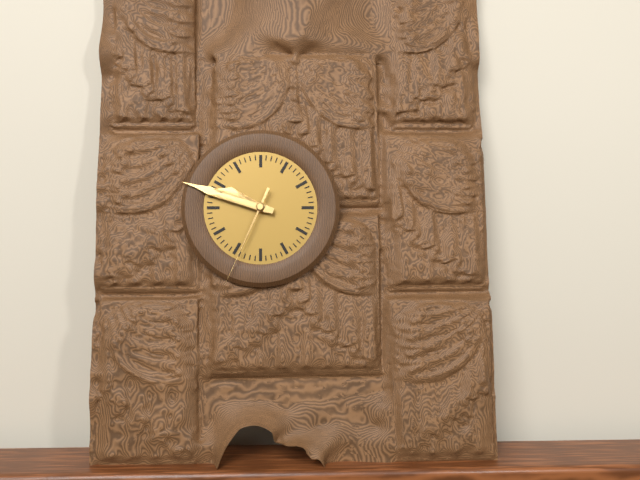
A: 9:48:34
